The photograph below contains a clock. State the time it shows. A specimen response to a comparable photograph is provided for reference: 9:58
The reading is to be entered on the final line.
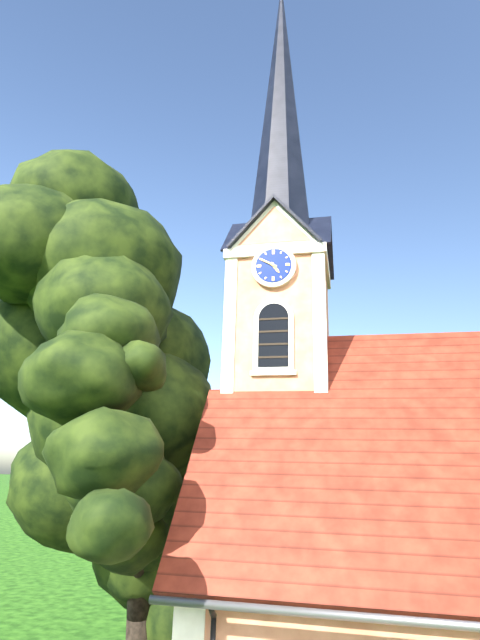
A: 4:50
